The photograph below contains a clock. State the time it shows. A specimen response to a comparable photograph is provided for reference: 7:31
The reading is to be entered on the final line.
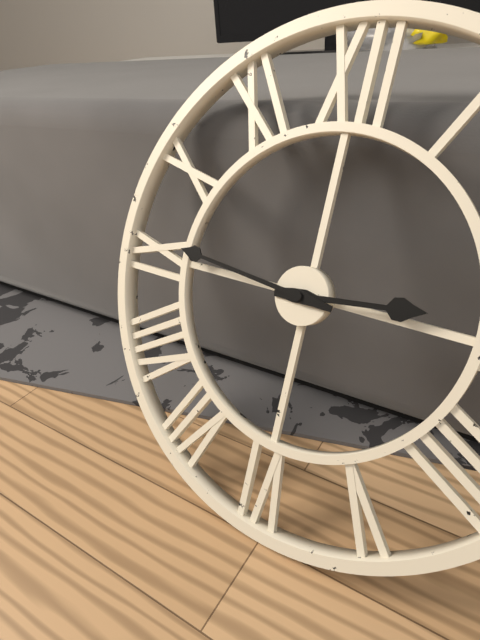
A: 2:46
